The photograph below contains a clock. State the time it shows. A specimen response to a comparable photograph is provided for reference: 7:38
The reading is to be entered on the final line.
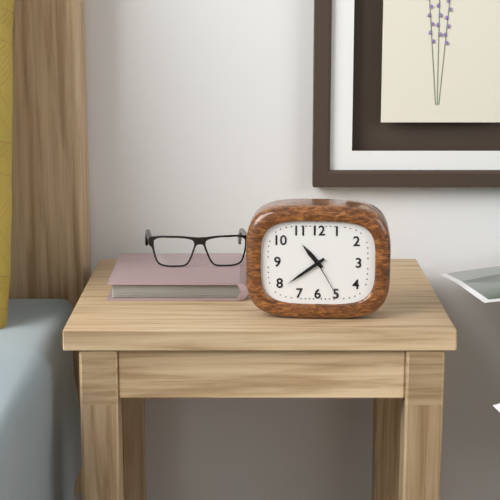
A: 10:39
